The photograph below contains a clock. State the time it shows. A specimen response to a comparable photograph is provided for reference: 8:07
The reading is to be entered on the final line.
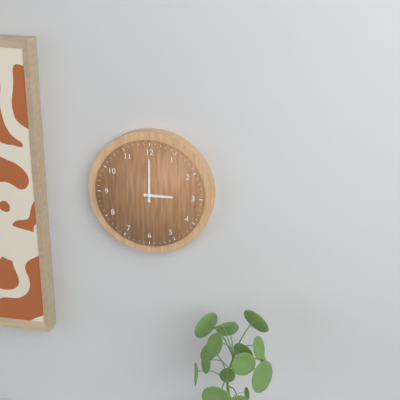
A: 3:00
